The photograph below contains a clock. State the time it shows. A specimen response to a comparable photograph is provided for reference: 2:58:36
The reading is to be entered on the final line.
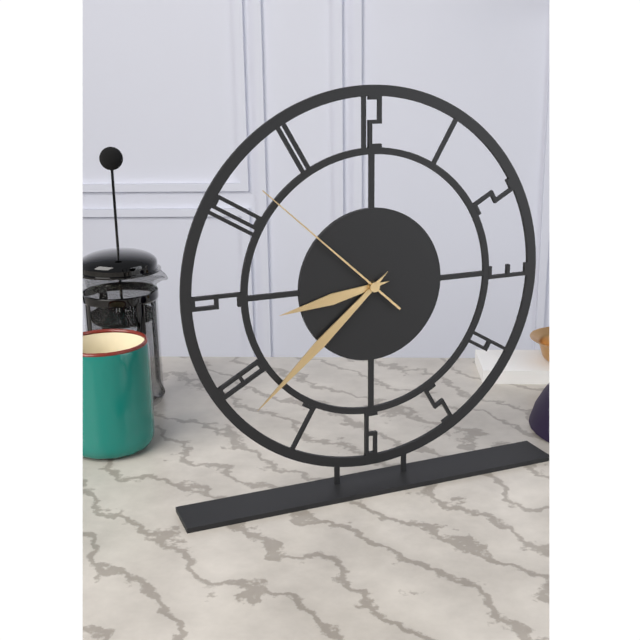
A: 8:38:52
